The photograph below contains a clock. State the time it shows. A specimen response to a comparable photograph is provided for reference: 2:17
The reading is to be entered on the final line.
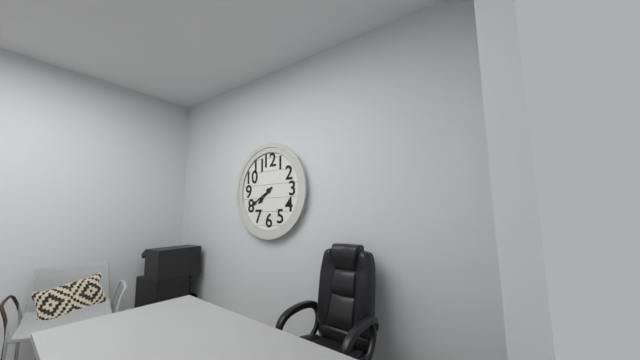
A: 7:40
